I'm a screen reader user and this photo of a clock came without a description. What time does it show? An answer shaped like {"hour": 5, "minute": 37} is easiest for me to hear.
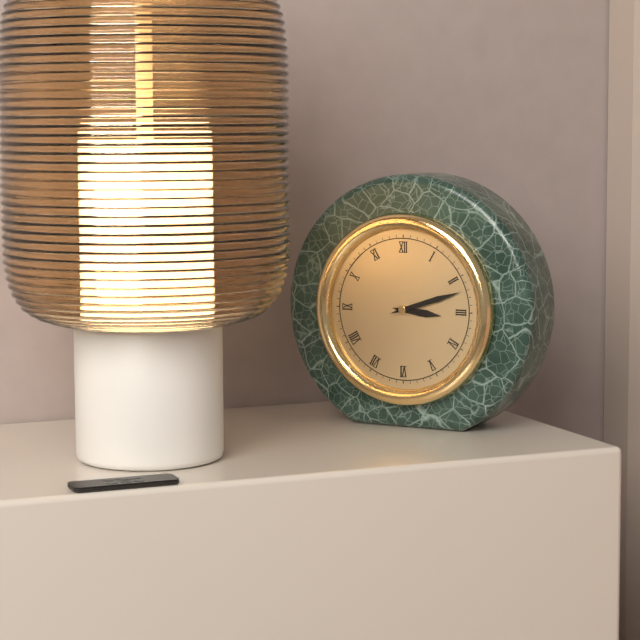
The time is {"hour": 3, "minute": 12}
